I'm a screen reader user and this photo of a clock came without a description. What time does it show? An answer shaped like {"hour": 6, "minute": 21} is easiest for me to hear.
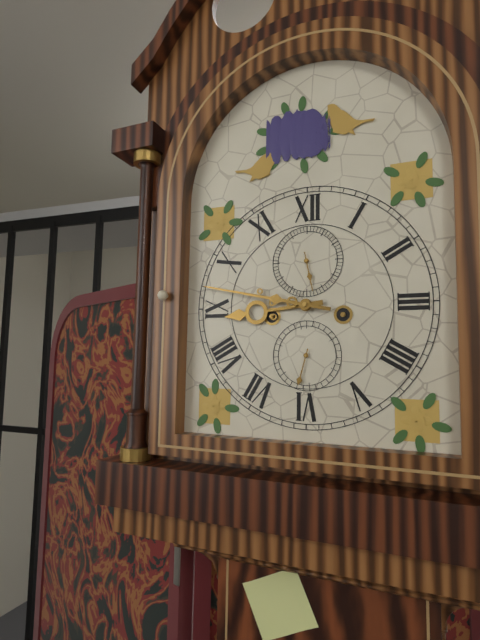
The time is {"hour": 8, "minute": 47}
